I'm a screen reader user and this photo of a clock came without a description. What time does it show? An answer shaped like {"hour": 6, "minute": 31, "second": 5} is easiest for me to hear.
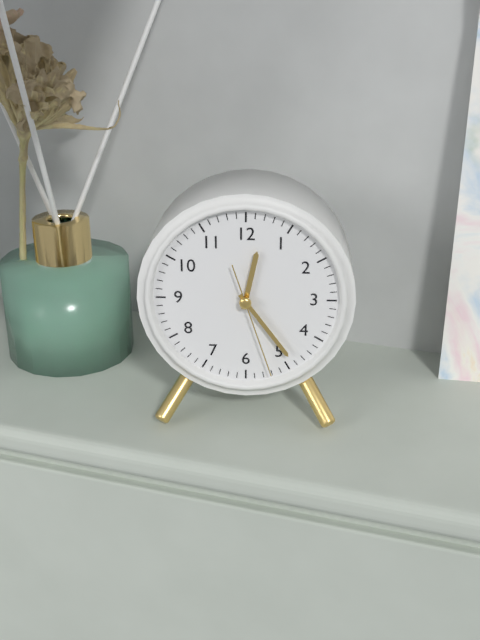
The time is {"hour": 12, "minute": 24, "second": 27}
